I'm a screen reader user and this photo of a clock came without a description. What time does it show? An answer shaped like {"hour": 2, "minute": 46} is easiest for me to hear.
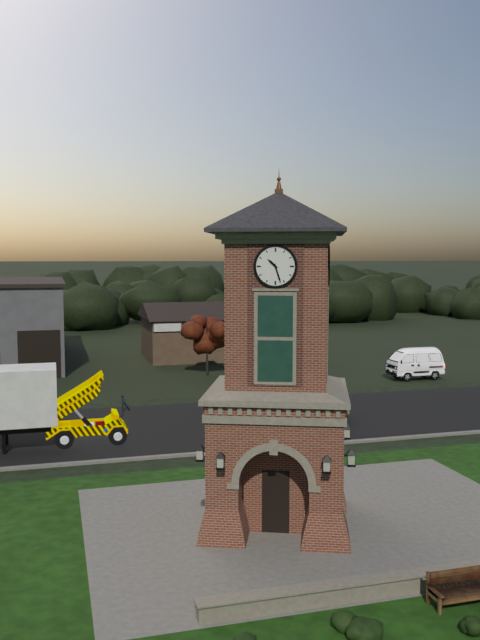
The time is {"hour": 10, "minute": 27}
